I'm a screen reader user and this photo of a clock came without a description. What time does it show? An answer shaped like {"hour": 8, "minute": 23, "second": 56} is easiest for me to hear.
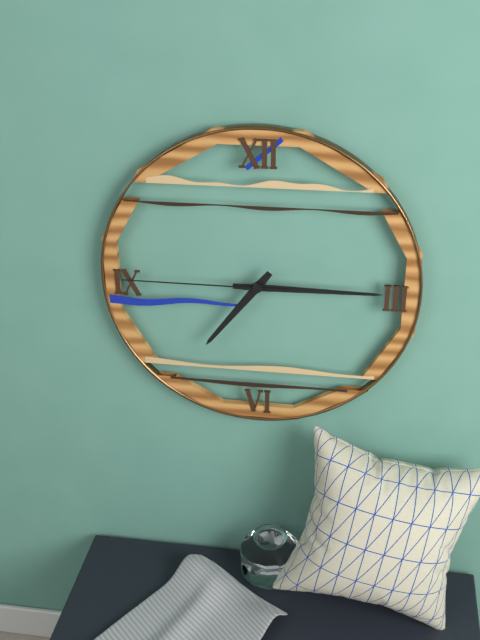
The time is {"hour": 7, "minute": 15, "second": 45}
